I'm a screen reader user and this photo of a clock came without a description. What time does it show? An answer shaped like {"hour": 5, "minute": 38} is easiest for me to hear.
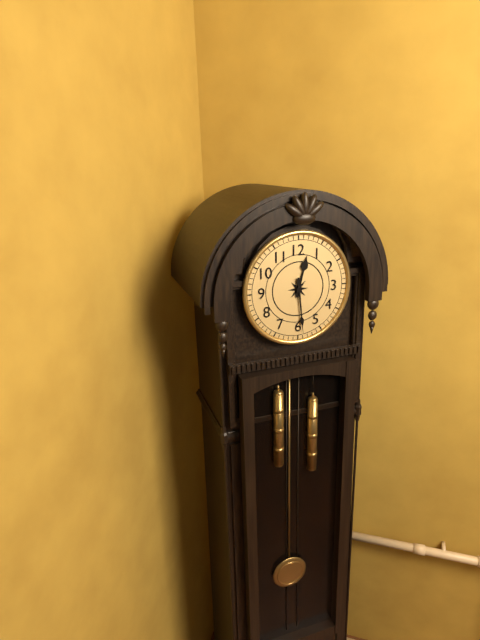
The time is {"hour": 12, "minute": 29}
